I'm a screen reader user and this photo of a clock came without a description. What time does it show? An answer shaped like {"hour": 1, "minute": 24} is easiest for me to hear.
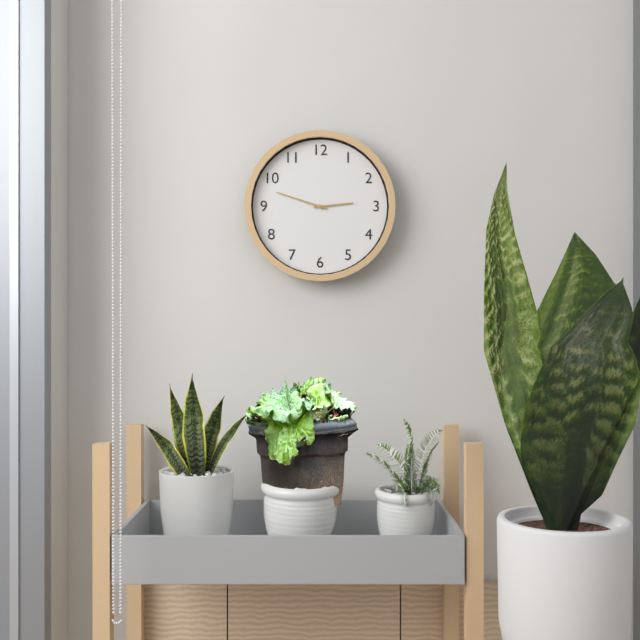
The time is {"hour": 2, "minute": 48}
